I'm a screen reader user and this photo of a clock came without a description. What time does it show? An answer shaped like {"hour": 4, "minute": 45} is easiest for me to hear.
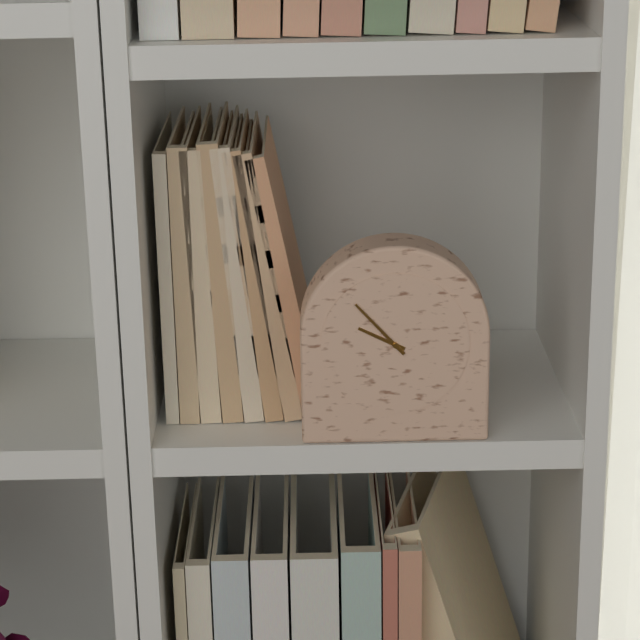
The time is {"hour": 9, "minute": 53}
